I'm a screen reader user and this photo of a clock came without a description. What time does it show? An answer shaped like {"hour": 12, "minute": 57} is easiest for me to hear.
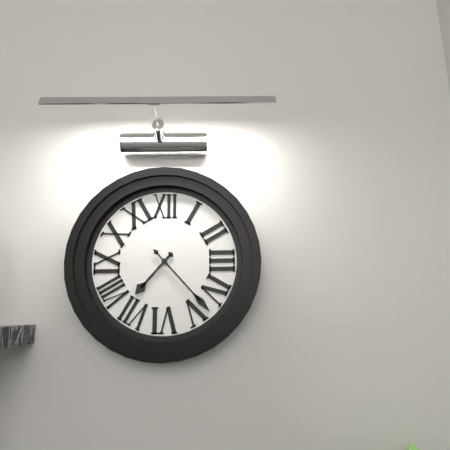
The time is {"hour": 7, "minute": 23}
